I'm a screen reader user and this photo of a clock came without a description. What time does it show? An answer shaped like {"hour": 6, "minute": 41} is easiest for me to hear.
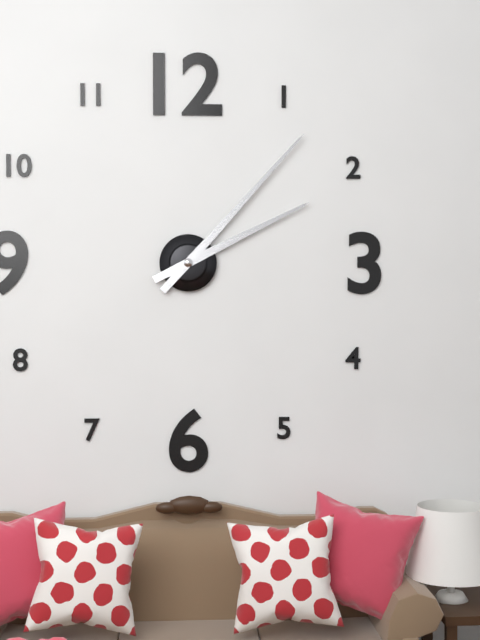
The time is {"hour": 2, "minute": 7}
